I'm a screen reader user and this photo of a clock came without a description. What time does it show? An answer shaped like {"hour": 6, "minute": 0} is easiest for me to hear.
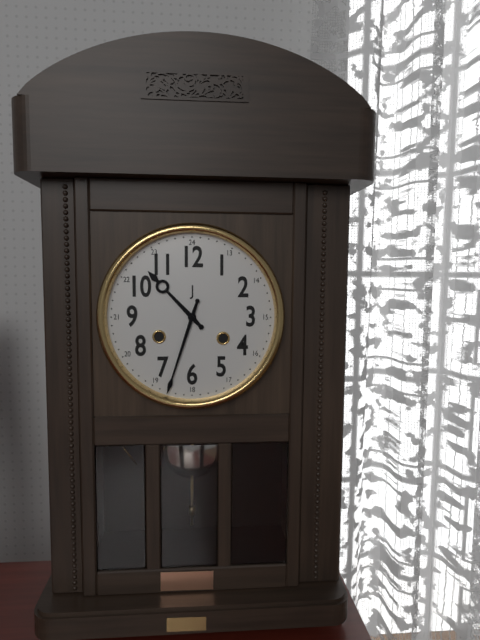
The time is {"hour": 10, "minute": 33}
